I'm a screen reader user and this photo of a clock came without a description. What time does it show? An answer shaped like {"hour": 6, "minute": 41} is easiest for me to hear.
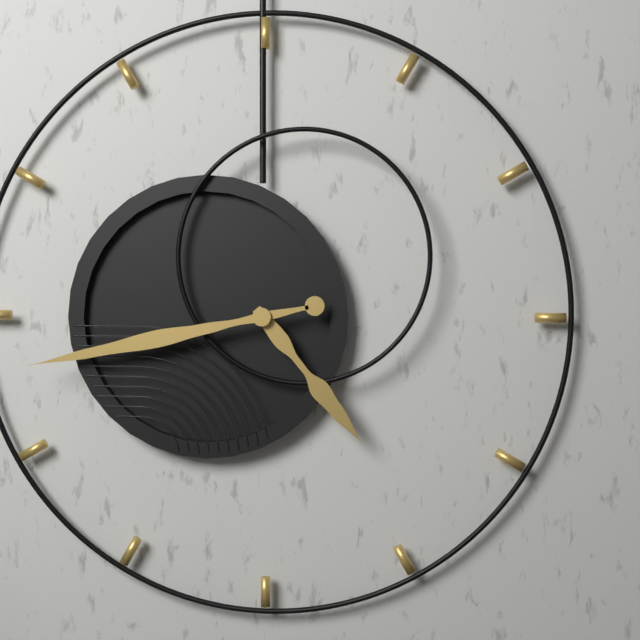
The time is {"hour": 4, "minute": 43}
